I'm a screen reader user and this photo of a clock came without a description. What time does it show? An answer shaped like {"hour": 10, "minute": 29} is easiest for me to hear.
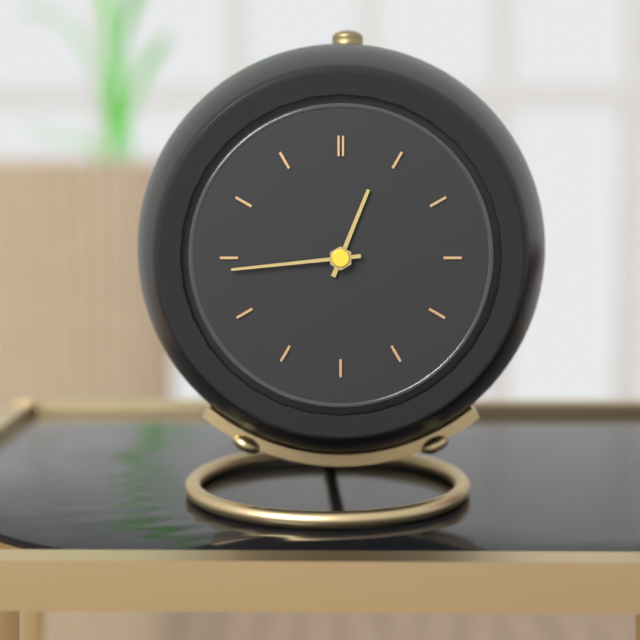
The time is {"hour": 12, "minute": 44}
